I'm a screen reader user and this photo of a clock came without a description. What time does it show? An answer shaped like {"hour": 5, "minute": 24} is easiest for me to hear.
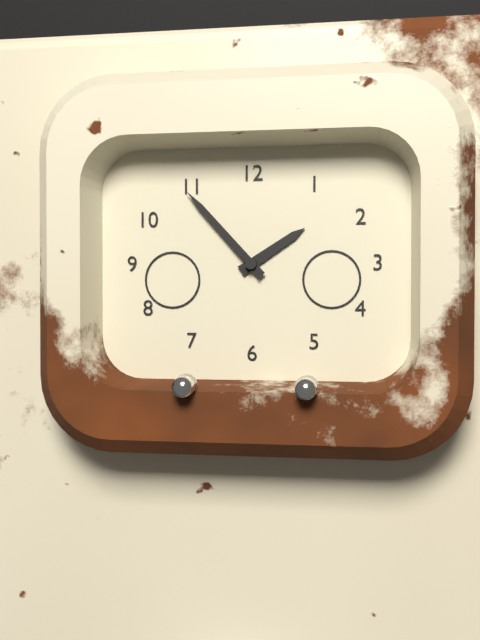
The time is {"hour": 1, "minute": 53}
